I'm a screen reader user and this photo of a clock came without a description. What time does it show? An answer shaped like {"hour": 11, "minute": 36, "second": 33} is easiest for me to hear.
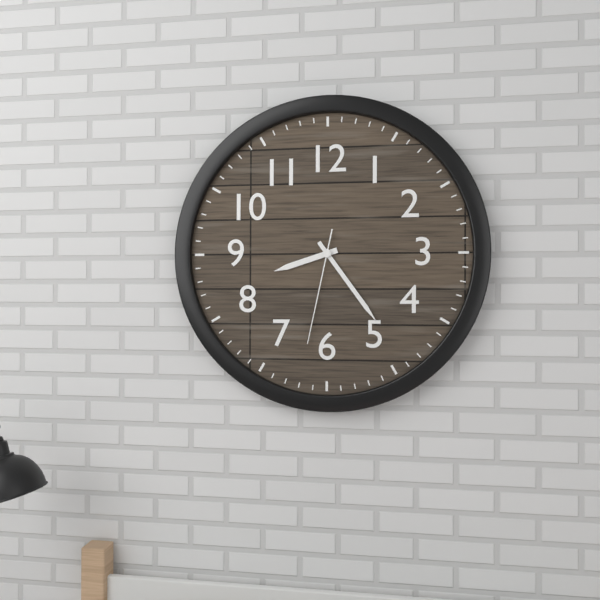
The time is {"hour": 8, "minute": 24, "second": 32}
